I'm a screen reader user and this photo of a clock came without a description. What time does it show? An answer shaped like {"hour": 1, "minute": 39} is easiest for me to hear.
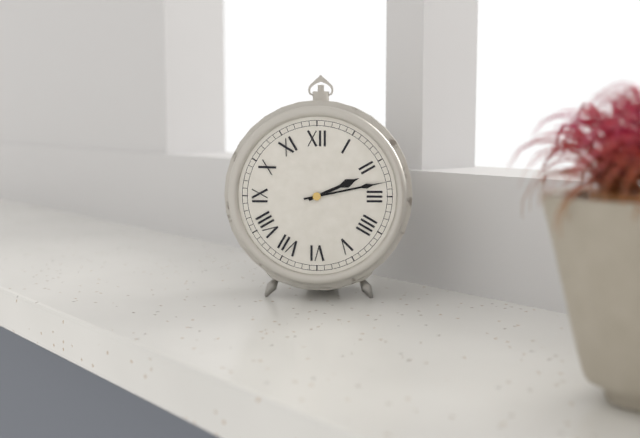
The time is {"hour": 2, "minute": 13}
